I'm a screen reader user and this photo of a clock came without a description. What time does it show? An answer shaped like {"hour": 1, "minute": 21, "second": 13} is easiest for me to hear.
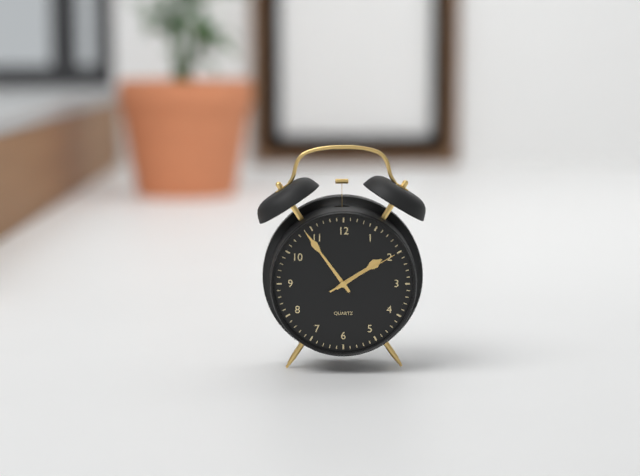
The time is {"hour": 1, "minute": 54, "second": 10}
